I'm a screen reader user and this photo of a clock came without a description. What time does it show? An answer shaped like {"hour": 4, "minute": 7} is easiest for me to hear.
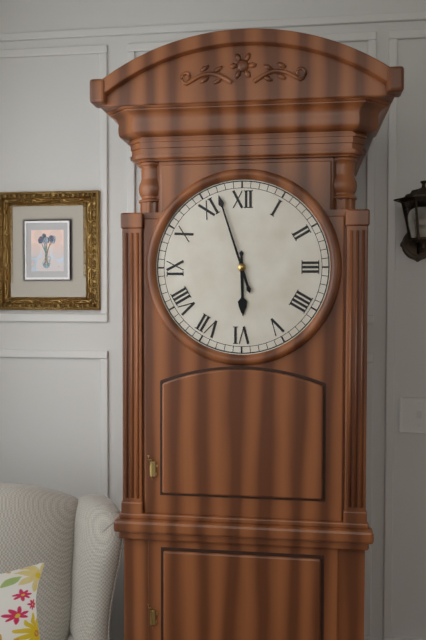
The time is {"hour": 5, "minute": 57}
